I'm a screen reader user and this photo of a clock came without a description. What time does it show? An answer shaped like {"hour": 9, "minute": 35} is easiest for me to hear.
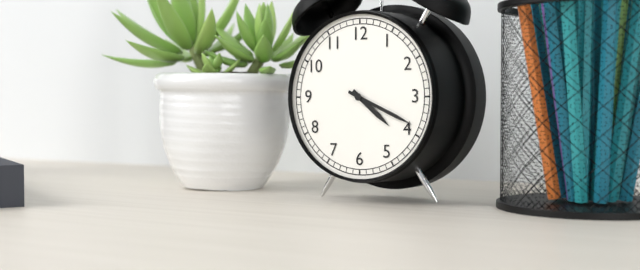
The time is {"hour": 4, "minute": 19}
